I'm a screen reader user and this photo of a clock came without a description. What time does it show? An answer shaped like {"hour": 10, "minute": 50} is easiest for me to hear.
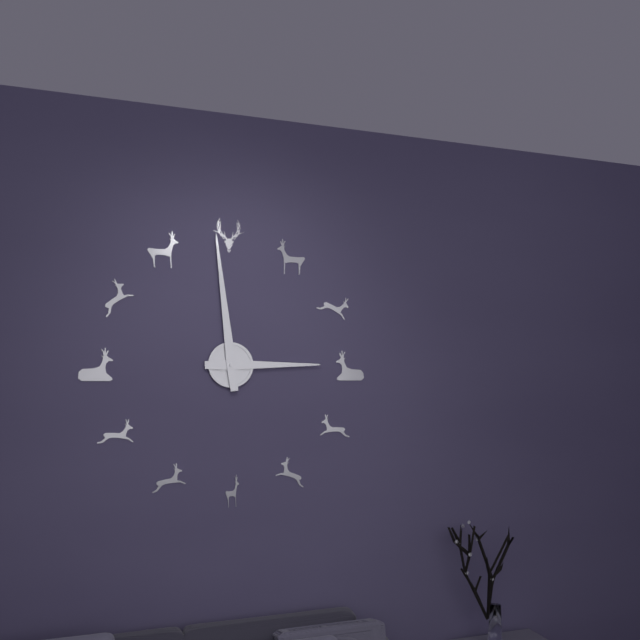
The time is {"hour": 2, "minute": 59}
